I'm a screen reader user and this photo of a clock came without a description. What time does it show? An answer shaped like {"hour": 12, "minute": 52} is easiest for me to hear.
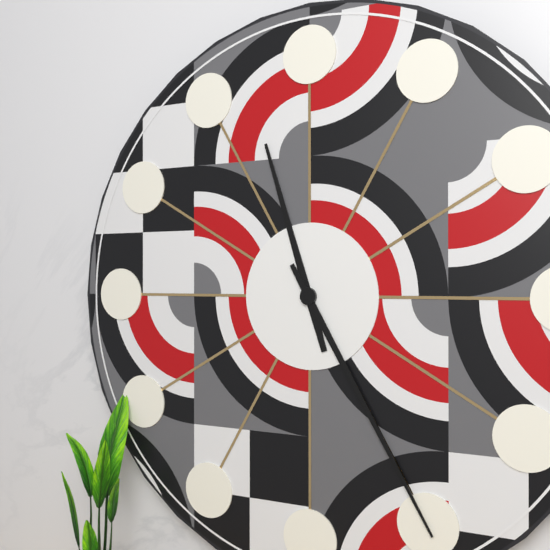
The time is {"hour": 11, "minute": 25}
